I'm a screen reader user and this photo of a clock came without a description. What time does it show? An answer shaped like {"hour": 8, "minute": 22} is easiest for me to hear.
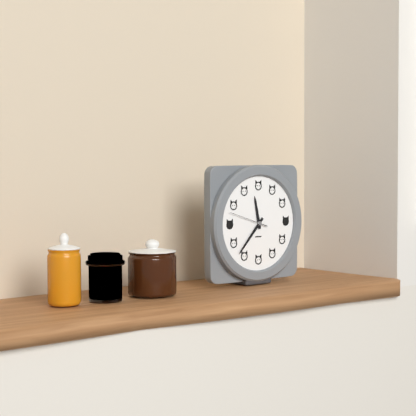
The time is {"hour": 11, "minute": 37}
